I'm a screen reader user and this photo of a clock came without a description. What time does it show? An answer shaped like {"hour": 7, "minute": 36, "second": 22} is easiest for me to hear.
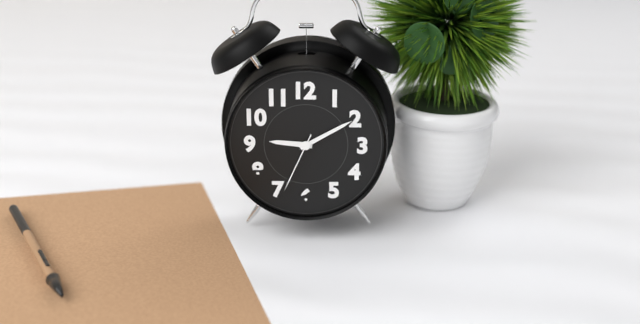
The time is {"hour": 9, "minute": 10, "second": 34}
